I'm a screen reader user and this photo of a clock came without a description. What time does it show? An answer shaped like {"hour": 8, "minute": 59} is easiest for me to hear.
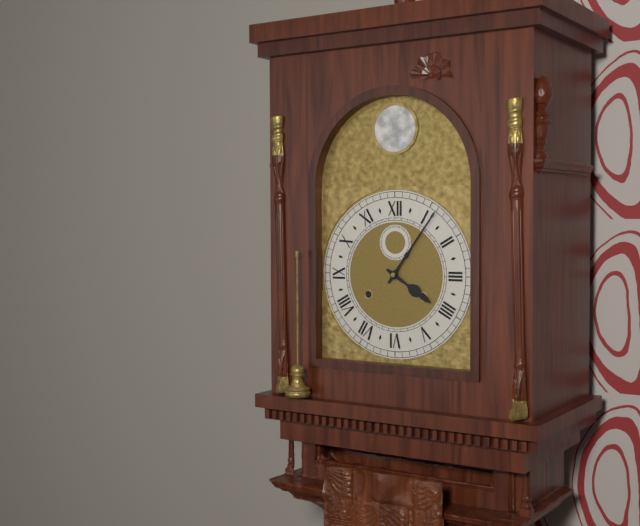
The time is {"hour": 4, "minute": 6}
